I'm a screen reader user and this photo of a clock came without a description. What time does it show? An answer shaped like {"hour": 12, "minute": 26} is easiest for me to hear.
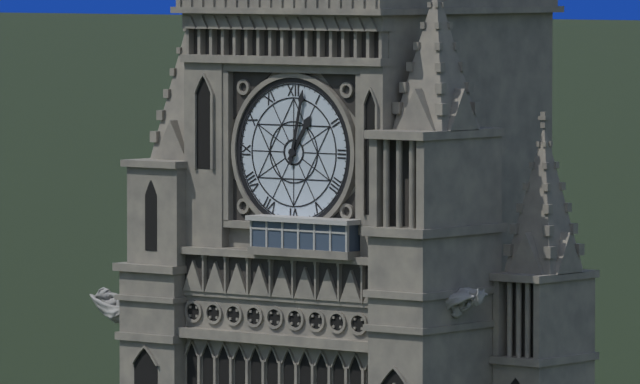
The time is {"hour": 1, "minute": 2}
